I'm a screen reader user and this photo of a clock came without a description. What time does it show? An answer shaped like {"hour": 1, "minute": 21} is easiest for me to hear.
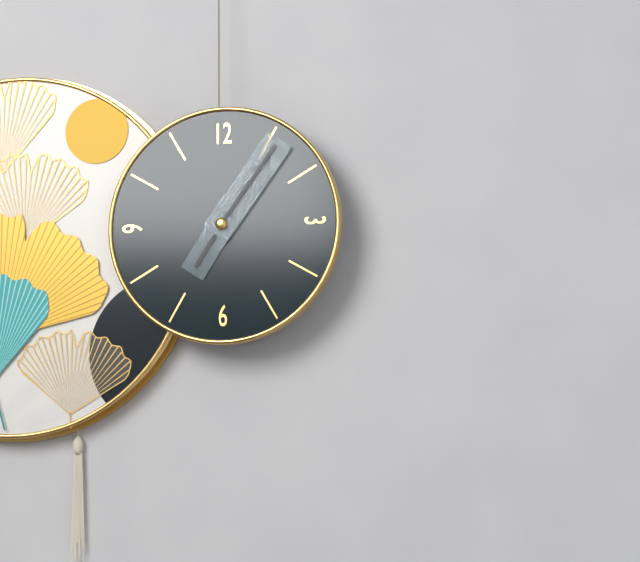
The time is {"hour": 7, "minute": 6}
